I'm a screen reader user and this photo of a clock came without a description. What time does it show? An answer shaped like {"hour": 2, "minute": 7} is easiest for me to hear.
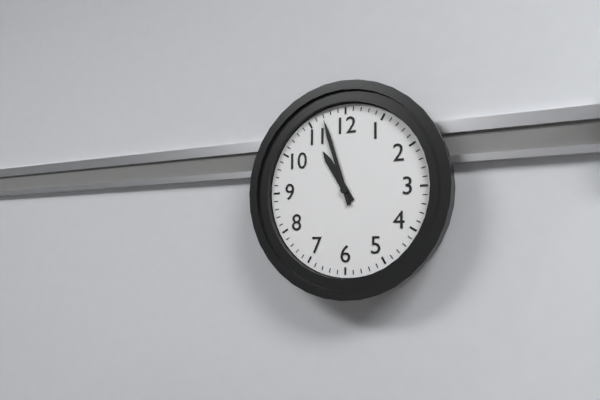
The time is {"hour": 10, "minute": 57}
